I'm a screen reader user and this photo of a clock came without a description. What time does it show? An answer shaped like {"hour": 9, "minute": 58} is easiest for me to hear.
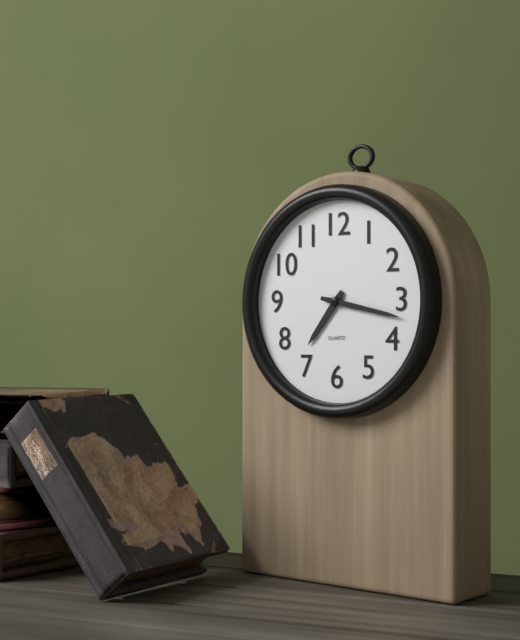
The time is {"hour": 7, "minute": 17}
